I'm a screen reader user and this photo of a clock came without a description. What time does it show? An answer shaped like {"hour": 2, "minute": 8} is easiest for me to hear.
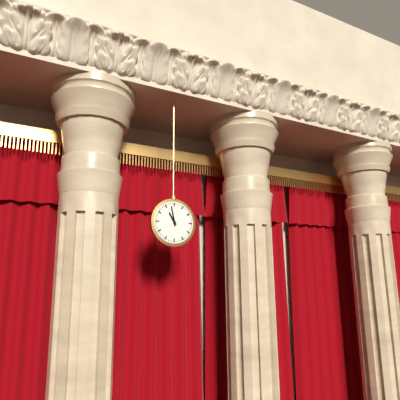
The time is {"hour": 10, "minute": 58}
